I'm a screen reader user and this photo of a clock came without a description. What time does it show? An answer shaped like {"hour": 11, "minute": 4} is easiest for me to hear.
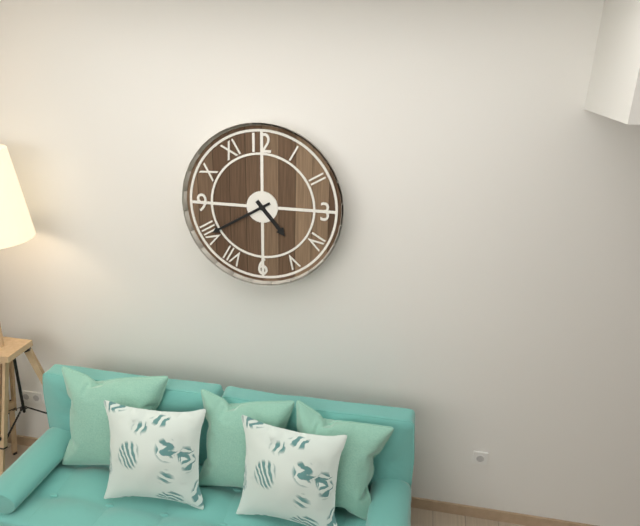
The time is {"hour": 4, "minute": 40}
